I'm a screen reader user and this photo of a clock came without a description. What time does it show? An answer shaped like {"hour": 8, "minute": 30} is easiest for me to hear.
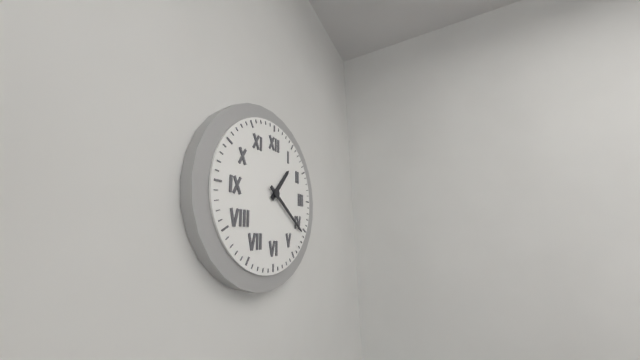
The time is {"hour": 1, "minute": 21}
